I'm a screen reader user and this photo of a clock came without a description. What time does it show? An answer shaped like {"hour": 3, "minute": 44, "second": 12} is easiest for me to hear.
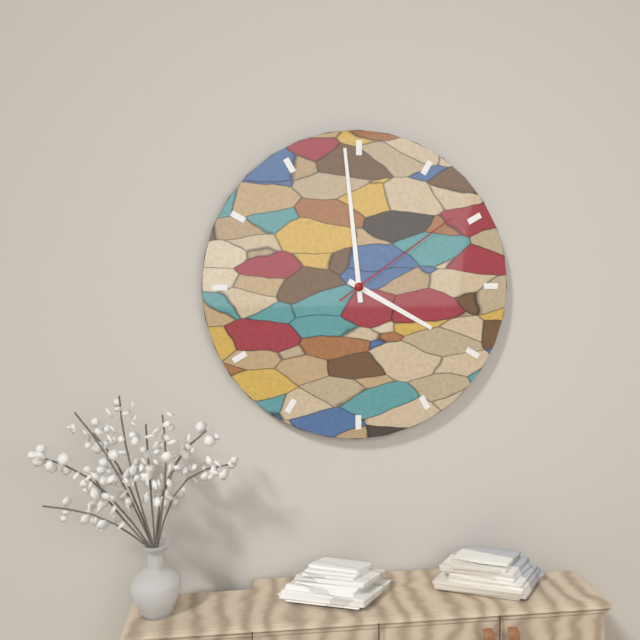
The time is {"hour": 3, "minute": 59, "second": 9}
